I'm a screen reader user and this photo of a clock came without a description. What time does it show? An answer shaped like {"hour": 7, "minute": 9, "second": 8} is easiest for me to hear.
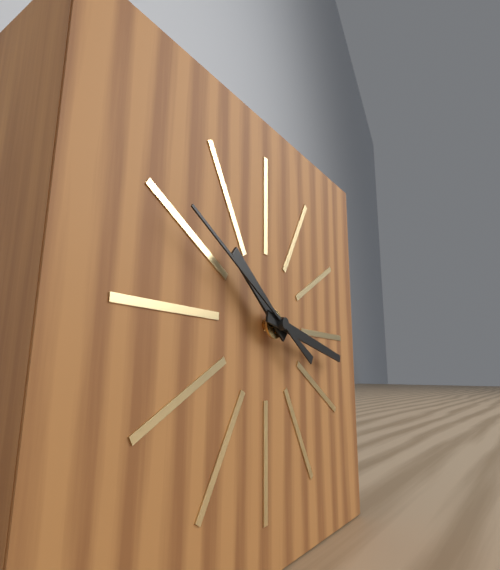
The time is {"hour": 10, "minute": 17, "second": 50}
